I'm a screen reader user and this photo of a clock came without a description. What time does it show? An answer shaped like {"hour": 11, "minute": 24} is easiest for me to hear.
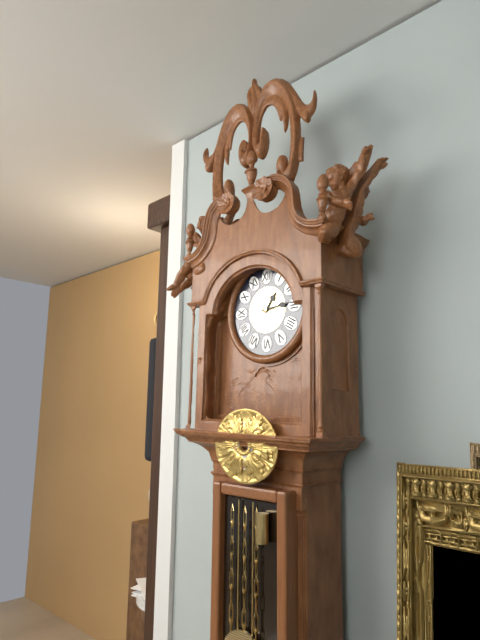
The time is {"hour": 1, "minute": 14}
